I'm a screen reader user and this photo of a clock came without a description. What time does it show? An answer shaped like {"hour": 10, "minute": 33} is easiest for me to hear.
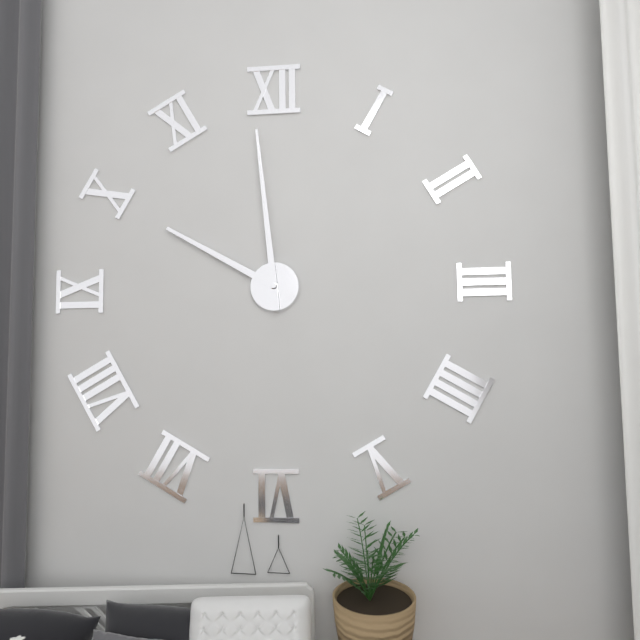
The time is {"hour": 9, "minute": 59}
